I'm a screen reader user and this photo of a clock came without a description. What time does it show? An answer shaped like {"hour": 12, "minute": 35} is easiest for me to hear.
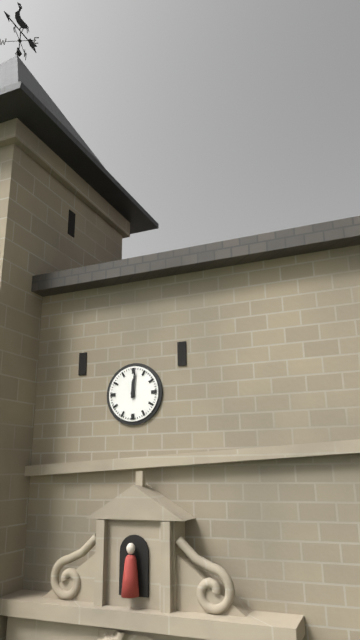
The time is {"hour": 12, "minute": 1}
